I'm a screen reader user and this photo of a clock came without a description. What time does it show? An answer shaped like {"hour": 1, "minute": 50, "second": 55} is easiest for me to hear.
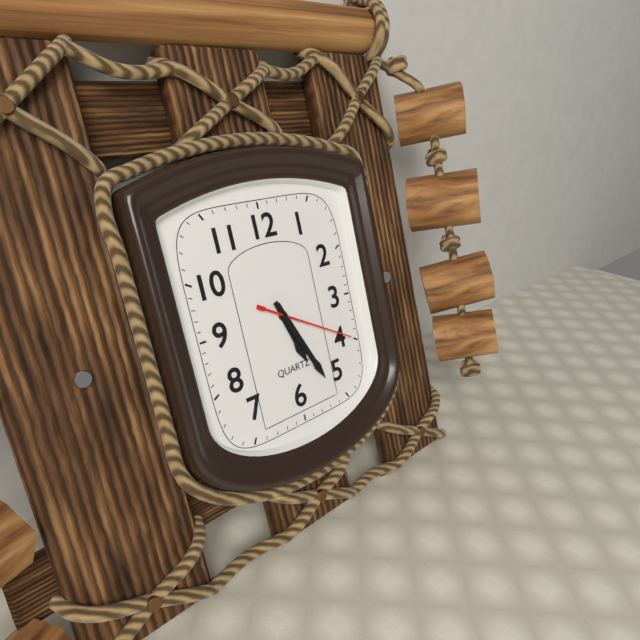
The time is {"hour": 5, "minute": 26, "second": 20}
